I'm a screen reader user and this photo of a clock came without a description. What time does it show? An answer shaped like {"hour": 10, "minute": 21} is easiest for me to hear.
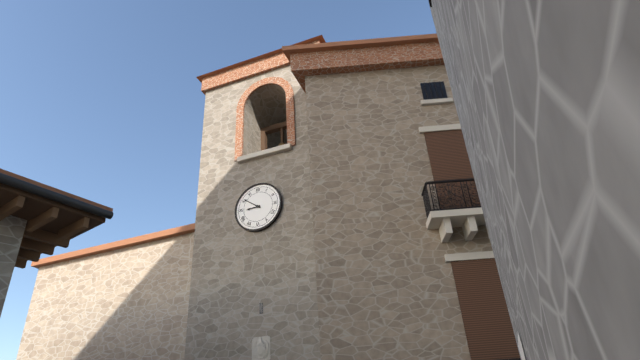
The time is {"hour": 8, "minute": 51}
